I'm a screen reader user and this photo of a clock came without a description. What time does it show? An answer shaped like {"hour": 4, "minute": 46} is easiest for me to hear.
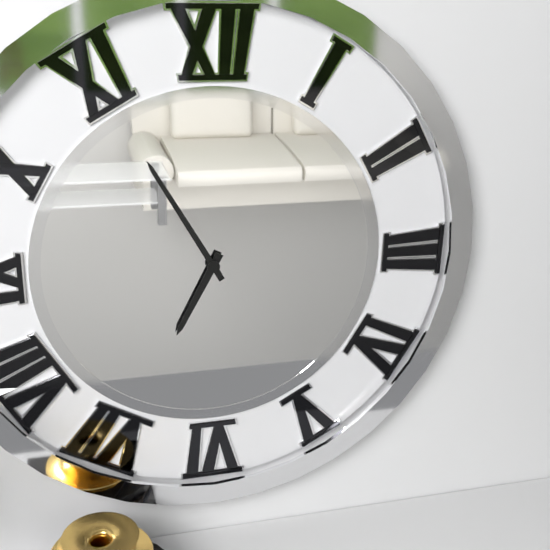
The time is {"hour": 6, "minute": 55}
